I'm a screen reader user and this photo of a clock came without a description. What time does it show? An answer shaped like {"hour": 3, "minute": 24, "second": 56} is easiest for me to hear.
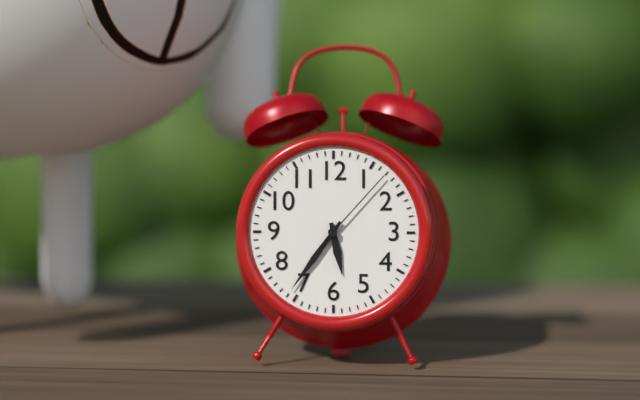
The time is {"hour": 5, "minute": 36, "second": 7}
